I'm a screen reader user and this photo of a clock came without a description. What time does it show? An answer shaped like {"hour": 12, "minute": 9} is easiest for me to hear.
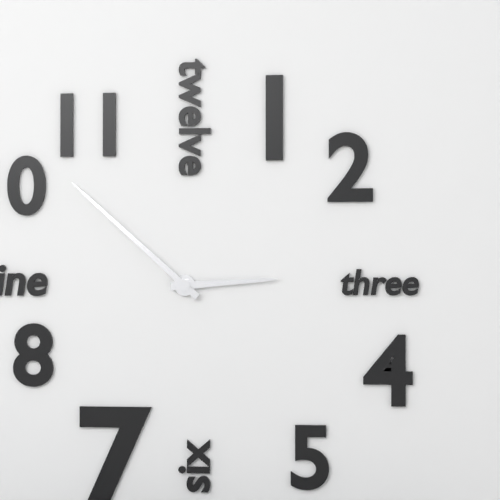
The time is {"hour": 2, "minute": 52}
